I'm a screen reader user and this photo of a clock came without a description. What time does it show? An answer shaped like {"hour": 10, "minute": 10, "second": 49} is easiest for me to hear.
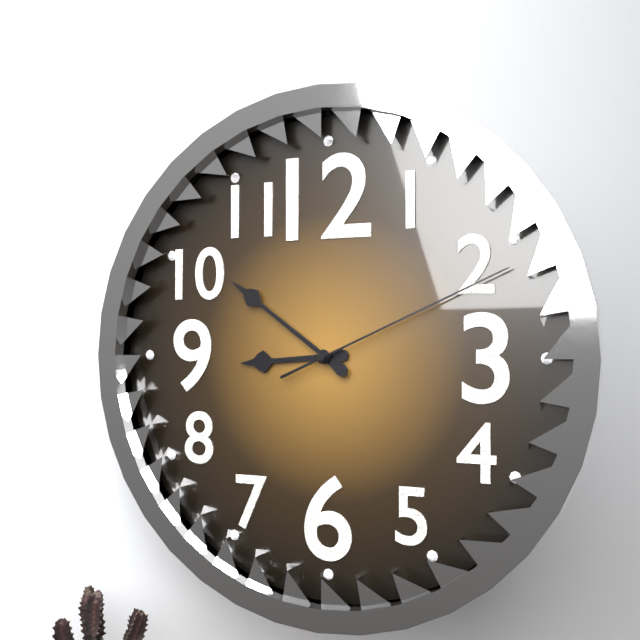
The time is {"hour": 8, "minute": 51, "second": 11}
